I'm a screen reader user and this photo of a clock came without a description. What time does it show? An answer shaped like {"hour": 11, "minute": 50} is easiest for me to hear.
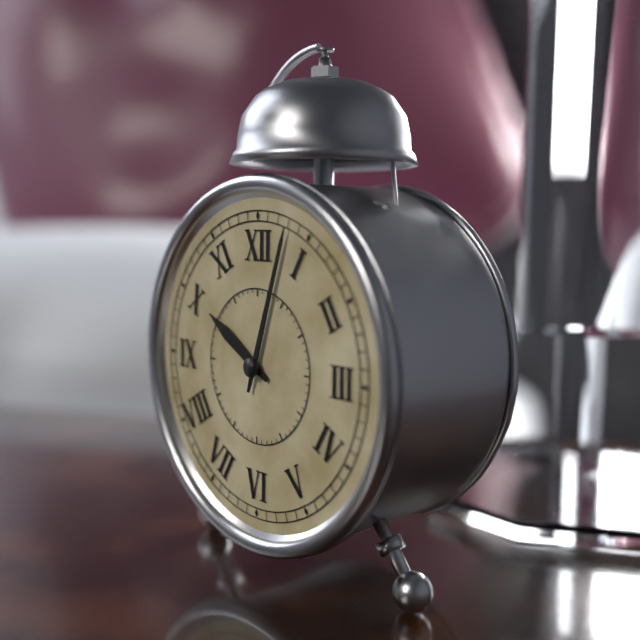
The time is {"hour": 10, "minute": 3}
